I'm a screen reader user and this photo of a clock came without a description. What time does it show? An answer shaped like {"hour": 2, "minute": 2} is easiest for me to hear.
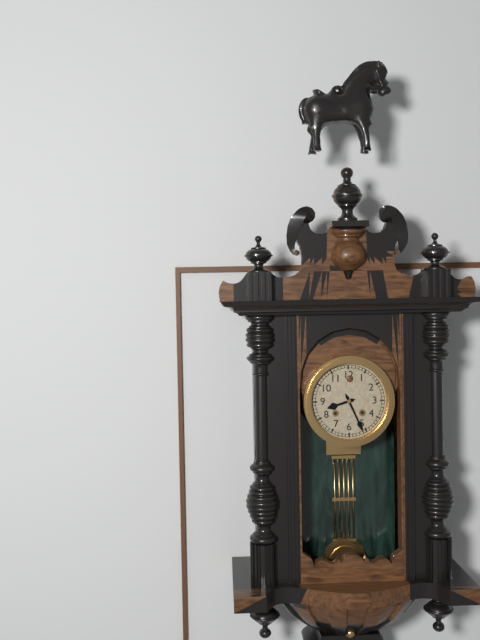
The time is {"hour": 8, "minute": 26}
